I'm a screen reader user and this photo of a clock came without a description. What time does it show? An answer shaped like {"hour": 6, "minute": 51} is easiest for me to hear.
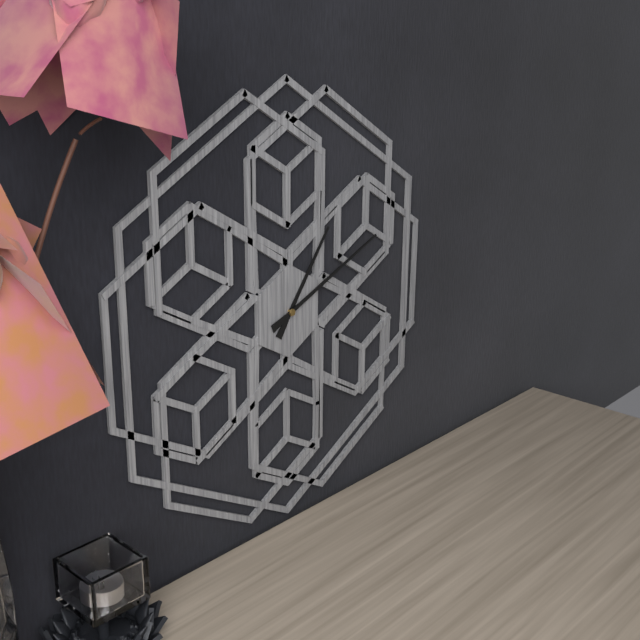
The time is {"hour": 1, "minute": 11}
